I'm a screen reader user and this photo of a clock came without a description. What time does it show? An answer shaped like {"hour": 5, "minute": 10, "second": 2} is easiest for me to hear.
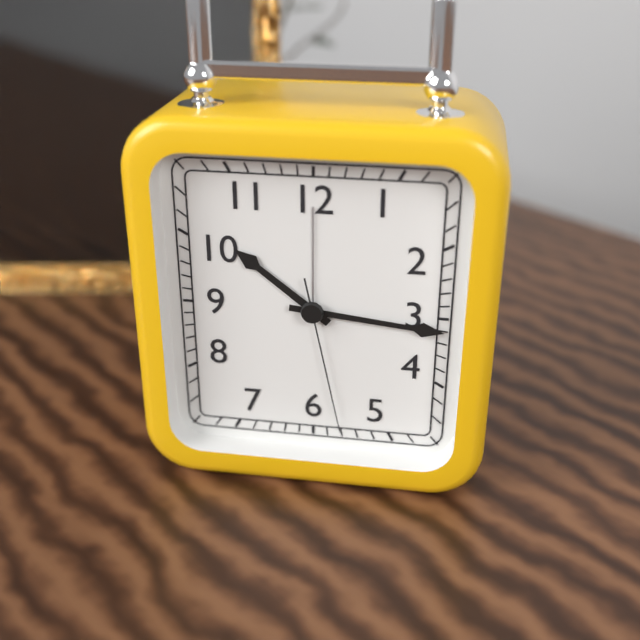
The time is {"hour": 10, "minute": 16, "second": 28}
